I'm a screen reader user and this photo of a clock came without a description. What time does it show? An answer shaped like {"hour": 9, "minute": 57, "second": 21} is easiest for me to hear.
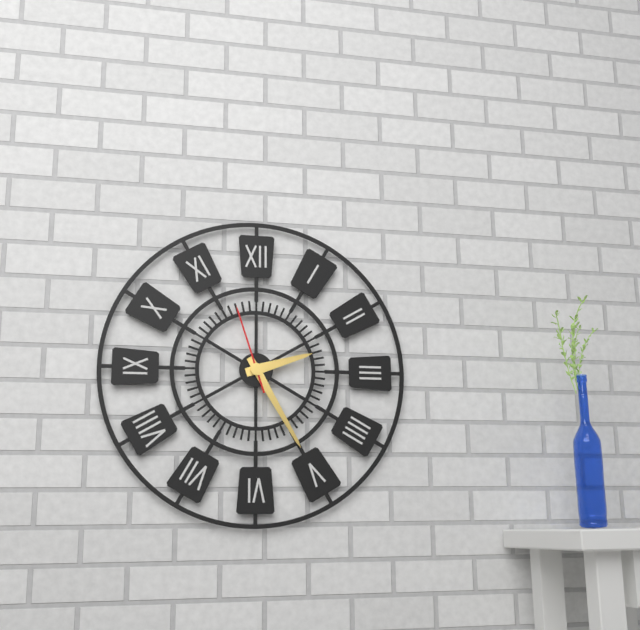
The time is {"hour": 2, "minute": 25, "second": 57}
